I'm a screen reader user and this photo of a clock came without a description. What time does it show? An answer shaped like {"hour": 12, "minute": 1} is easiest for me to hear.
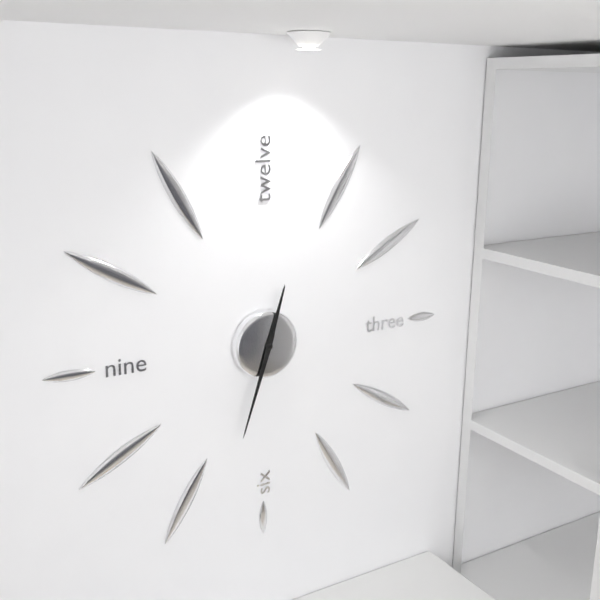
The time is {"hour": 12, "minute": 33}
